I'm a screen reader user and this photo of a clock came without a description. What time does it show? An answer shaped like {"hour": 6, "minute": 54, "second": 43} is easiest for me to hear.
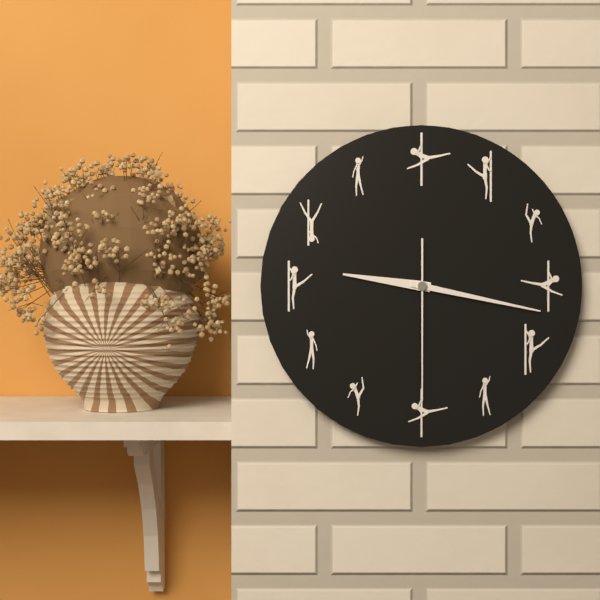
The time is {"hour": 9, "minute": 17, "second": 30}
